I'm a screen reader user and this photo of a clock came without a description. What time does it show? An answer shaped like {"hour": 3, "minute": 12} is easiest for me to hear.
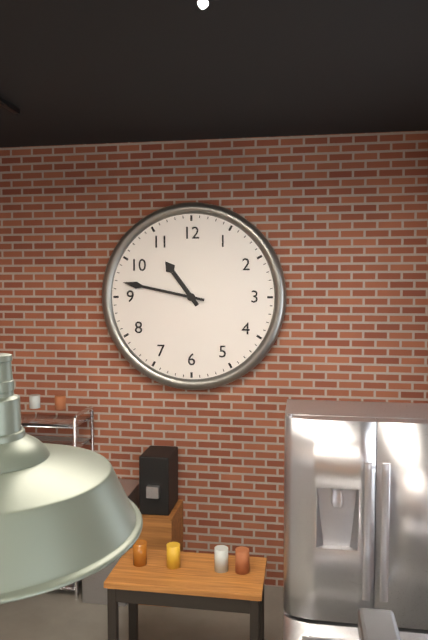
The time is {"hour": 10, "minute": 47}
